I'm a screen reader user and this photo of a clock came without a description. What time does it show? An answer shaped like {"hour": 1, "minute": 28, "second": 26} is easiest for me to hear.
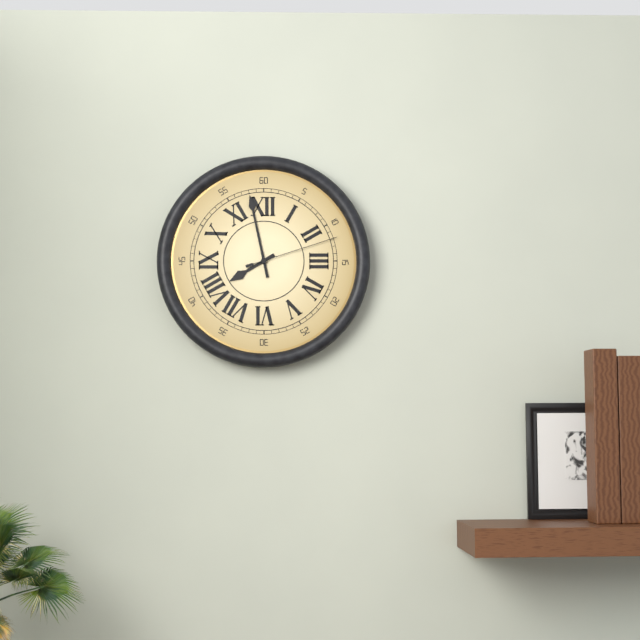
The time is {"hour": 7, "minute": 58, "second": 12}
